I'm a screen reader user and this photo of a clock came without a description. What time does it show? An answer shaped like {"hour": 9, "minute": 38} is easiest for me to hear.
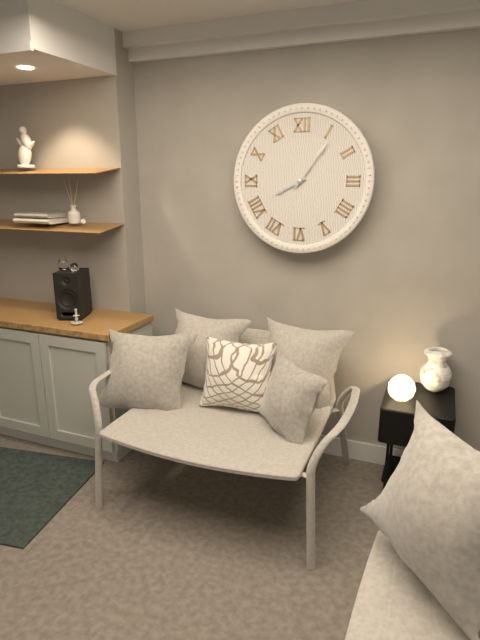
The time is {"hour": 8, "minute": 6}
